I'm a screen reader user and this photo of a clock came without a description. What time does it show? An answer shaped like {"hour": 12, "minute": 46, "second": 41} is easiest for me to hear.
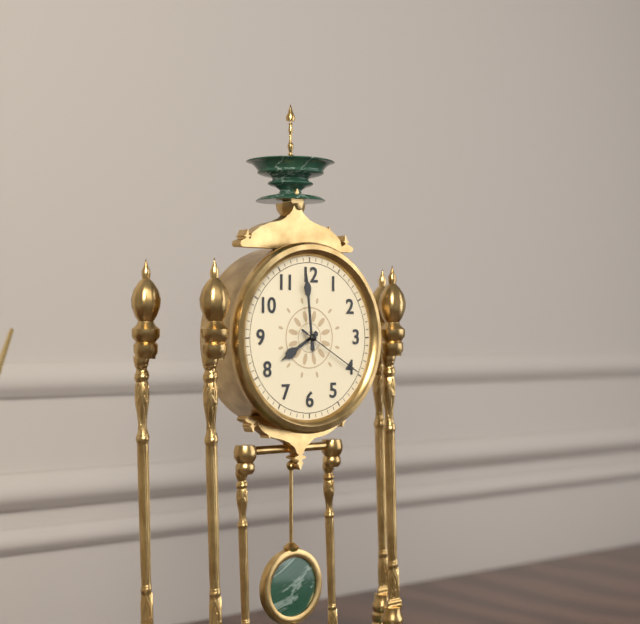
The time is {"hour": 7, "minute": 59, "second": 20}
